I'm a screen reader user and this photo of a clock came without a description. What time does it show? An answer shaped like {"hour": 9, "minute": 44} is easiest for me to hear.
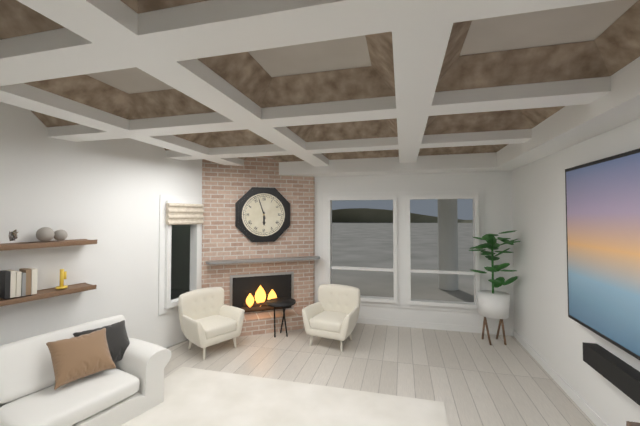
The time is {"hour": 5, "minute": 57}
